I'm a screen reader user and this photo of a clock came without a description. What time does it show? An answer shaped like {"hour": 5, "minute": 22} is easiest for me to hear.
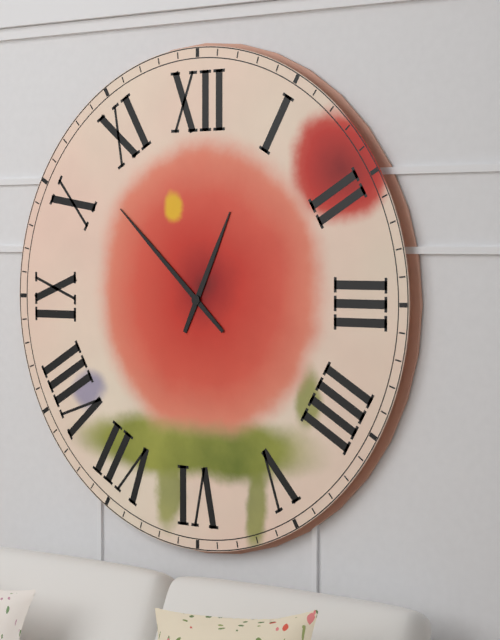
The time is {"hour": 12, "minute": 52}
